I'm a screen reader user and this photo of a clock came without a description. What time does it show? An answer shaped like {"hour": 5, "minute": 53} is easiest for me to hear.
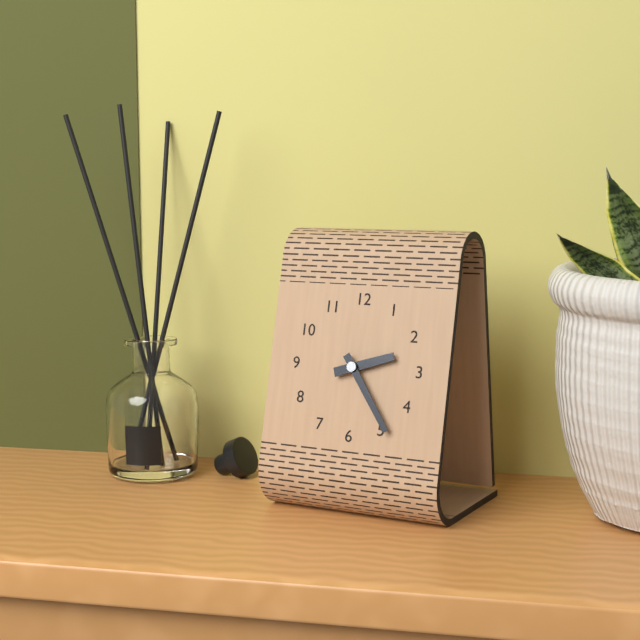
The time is {"hour": 2, "minute": 24}
